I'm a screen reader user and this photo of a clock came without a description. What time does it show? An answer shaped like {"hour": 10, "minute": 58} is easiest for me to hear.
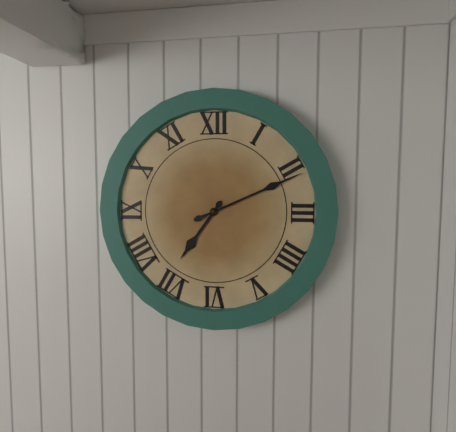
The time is {"hour": 7, "minute": 11}
